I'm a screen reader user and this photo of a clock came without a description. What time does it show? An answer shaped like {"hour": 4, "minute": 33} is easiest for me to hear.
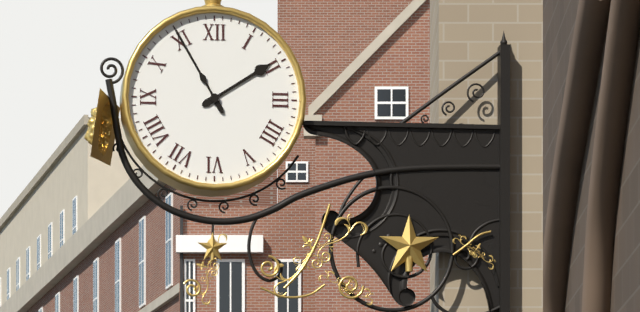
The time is {"hour": 1, "minute": 55}
